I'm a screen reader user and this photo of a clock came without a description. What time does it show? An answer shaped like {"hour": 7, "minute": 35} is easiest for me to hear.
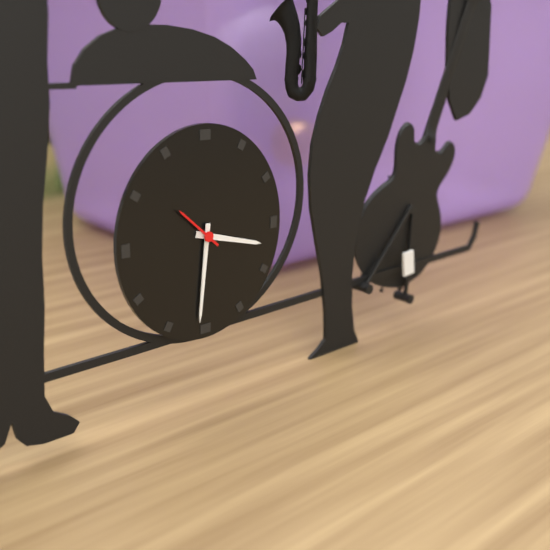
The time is {"hour": 3, "minute": 31}
